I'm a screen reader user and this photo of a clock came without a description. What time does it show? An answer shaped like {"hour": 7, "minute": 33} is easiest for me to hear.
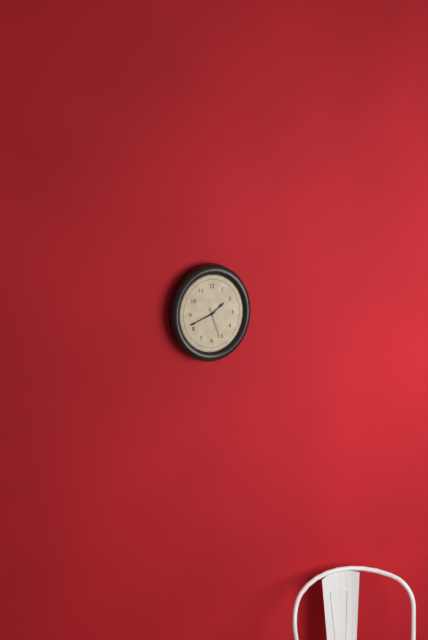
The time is {"hour": 1, "minute": 41}
